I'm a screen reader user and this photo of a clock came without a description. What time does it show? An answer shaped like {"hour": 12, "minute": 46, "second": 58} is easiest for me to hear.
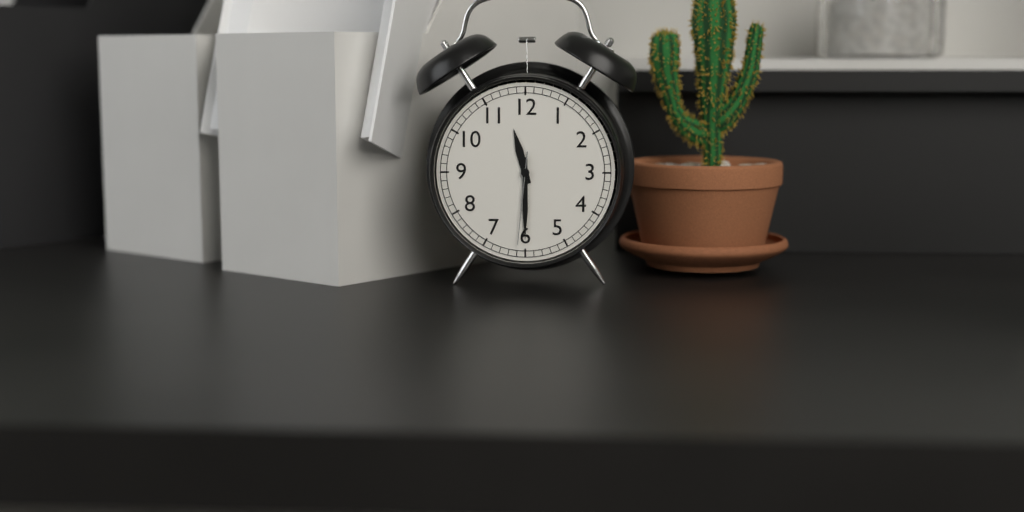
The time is {"hour": 11, "minute": 30, "second": 31}
